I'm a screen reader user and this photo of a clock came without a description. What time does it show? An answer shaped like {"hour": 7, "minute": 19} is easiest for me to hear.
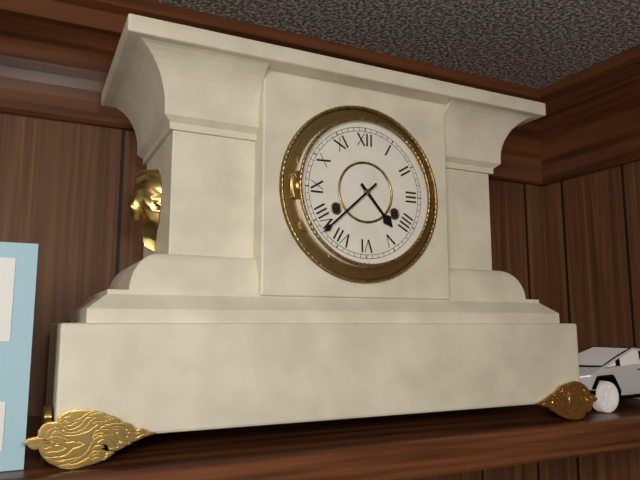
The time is {"hour": 4, "minute": 38}
